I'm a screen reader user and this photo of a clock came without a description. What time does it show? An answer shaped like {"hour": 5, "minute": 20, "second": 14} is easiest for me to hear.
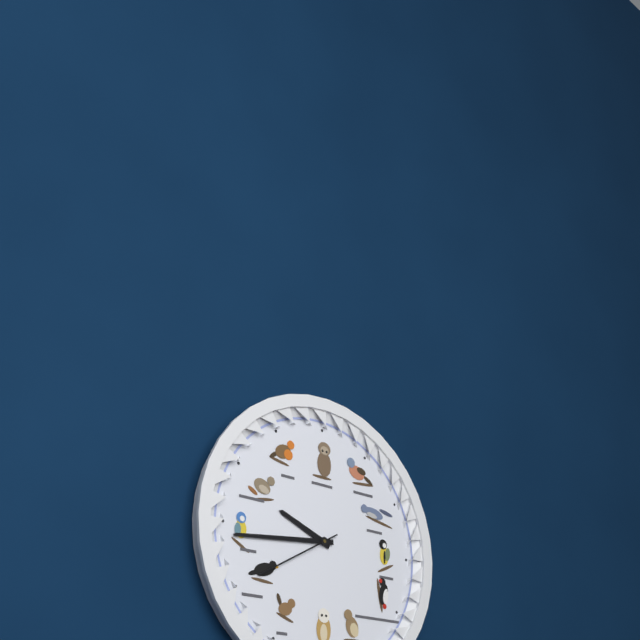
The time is {"hour": 9, "minute": 44, "second": 40}
